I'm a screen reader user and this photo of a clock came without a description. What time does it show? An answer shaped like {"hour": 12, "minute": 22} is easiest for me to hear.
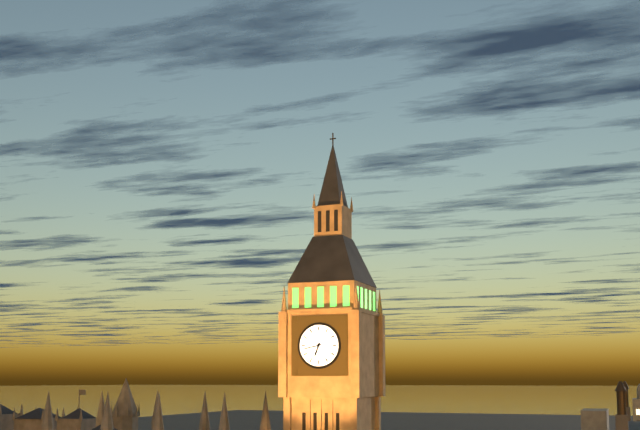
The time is {"hour": 6, "minute": 43}
